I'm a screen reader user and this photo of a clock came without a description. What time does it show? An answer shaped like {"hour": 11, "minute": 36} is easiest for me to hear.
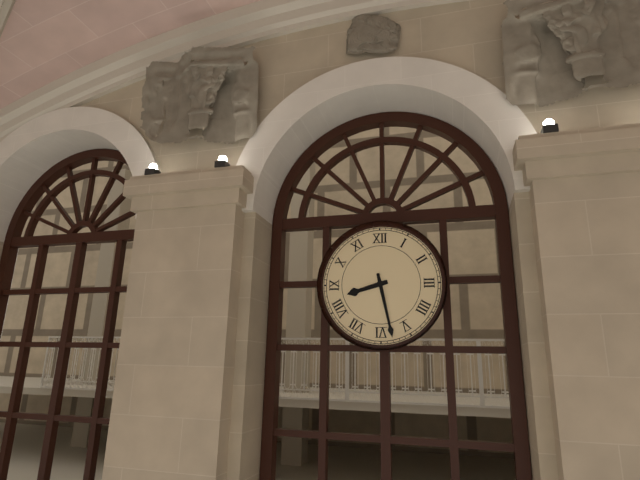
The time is {"hour": 8, "minute": 28}
